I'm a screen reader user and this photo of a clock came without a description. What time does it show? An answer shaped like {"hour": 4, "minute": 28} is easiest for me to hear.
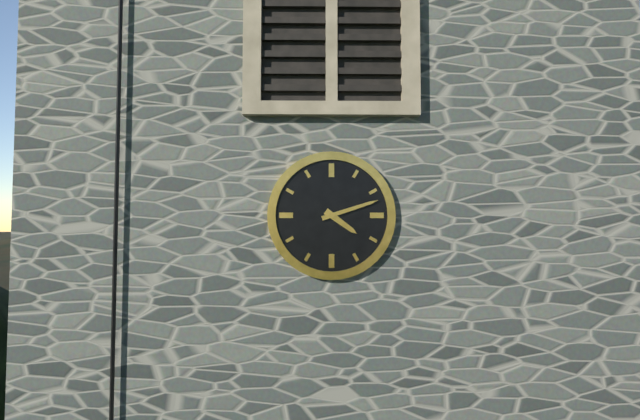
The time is {"hour": 4, "minute": 12}
